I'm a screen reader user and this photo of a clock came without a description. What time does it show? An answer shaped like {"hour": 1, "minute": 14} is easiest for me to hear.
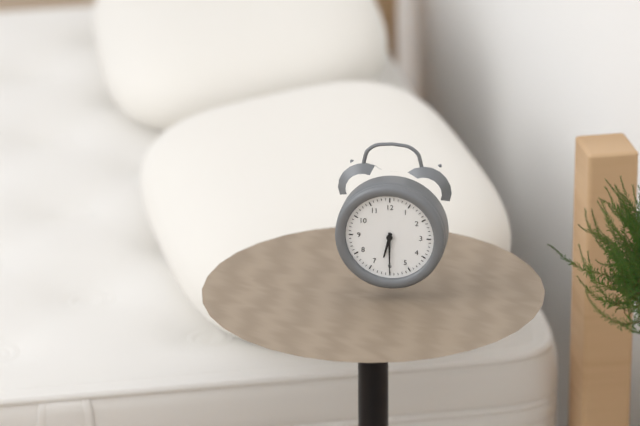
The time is {"hour": 6, "minute": 30}
